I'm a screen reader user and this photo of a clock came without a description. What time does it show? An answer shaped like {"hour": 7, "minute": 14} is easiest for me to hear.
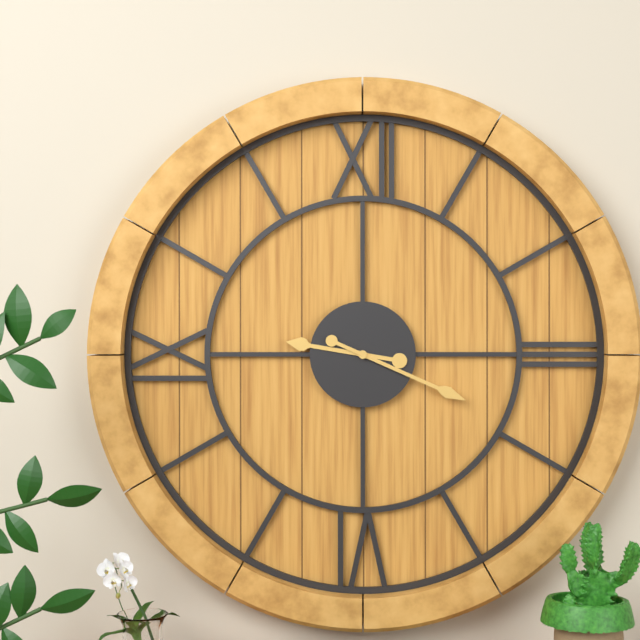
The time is {"hour": 9, "minute": 19}
